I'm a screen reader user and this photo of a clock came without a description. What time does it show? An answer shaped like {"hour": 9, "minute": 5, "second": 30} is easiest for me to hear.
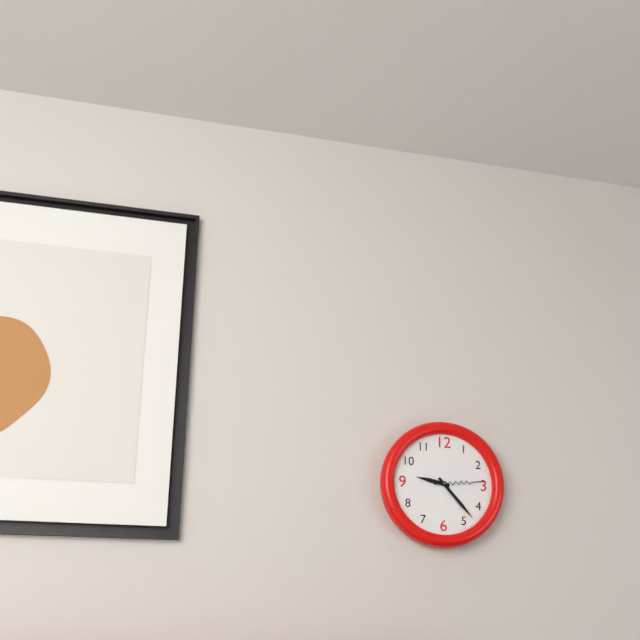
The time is {"hour": 9, "minute": 23, "second": 14}
